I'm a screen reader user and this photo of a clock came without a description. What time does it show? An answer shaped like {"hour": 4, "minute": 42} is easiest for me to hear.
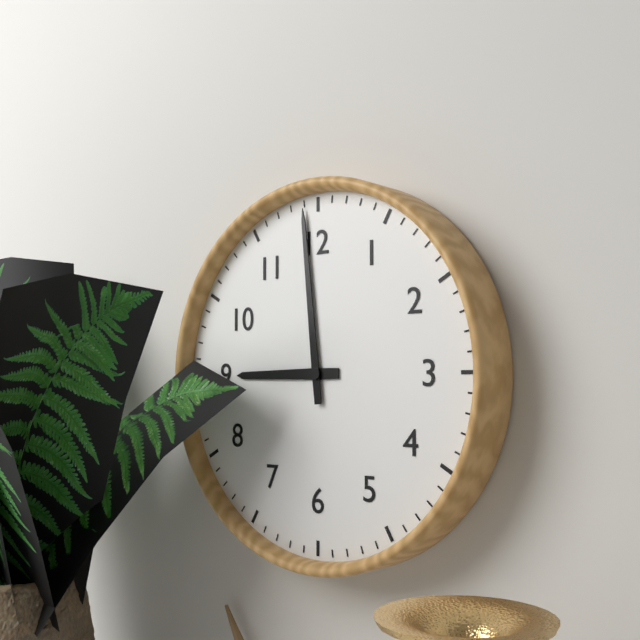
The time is {"hour": 8, "minute": 59}
